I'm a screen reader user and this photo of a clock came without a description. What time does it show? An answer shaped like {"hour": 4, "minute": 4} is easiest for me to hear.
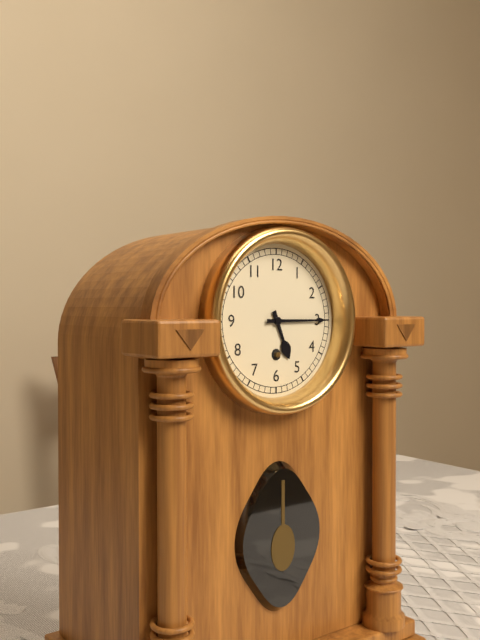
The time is {"hour": 5, "minute": 15}
